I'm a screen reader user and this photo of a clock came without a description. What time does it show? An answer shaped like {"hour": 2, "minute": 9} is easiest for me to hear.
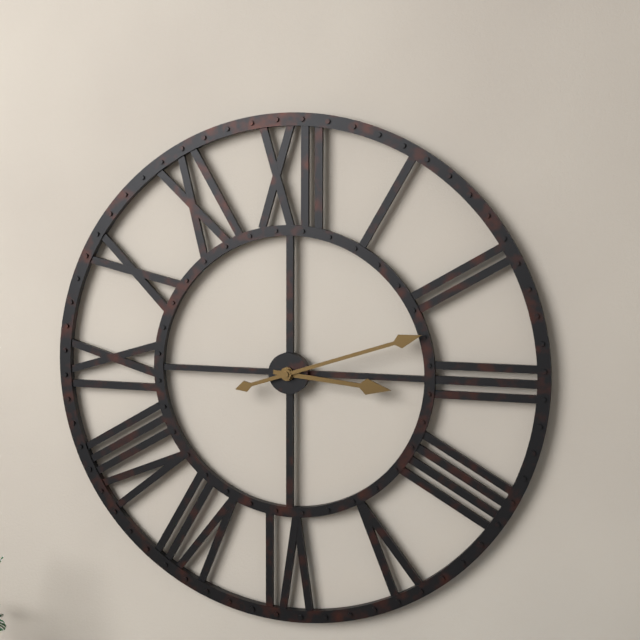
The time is {"hour": 3, "minute": 12}
